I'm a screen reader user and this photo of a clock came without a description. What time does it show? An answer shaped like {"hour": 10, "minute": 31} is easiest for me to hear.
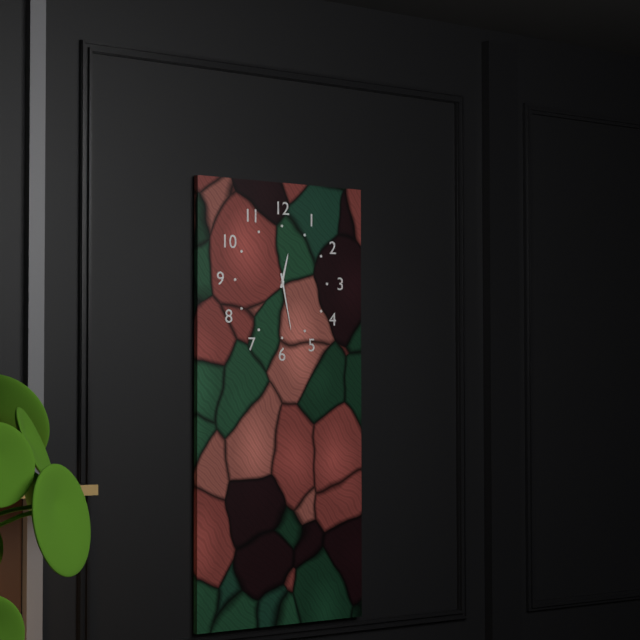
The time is {"hour": 12, "minute": 28}
